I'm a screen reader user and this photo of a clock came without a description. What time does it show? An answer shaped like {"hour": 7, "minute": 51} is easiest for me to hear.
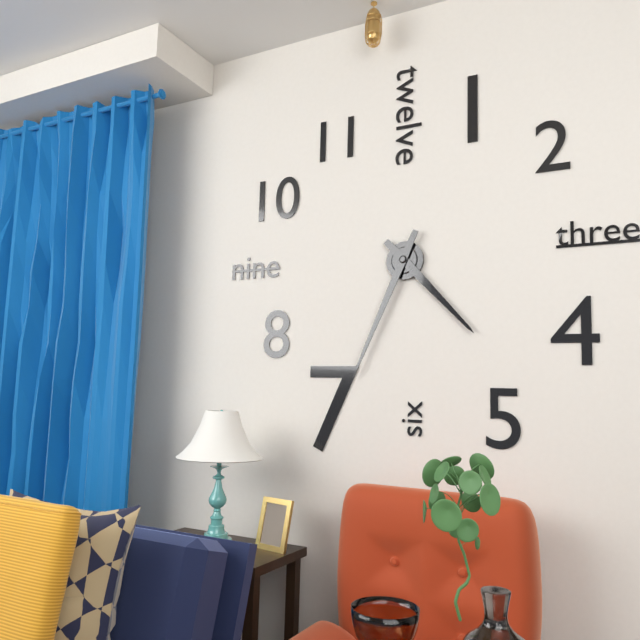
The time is {"hour": 4, "minute": 34}
